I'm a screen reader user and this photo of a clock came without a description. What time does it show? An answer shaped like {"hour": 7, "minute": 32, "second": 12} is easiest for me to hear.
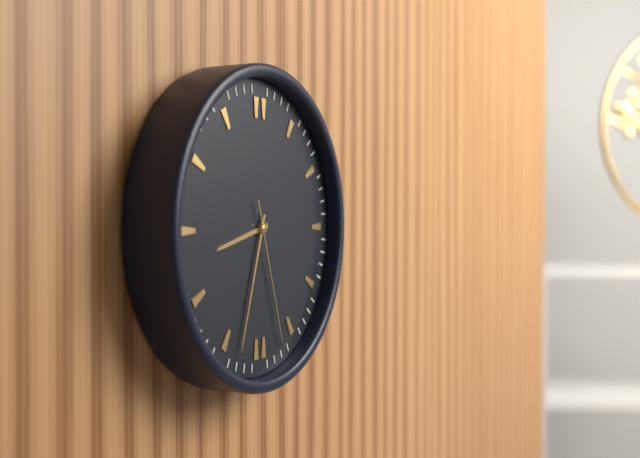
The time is {"hour": 8, "minute": 33, "second": 27}
